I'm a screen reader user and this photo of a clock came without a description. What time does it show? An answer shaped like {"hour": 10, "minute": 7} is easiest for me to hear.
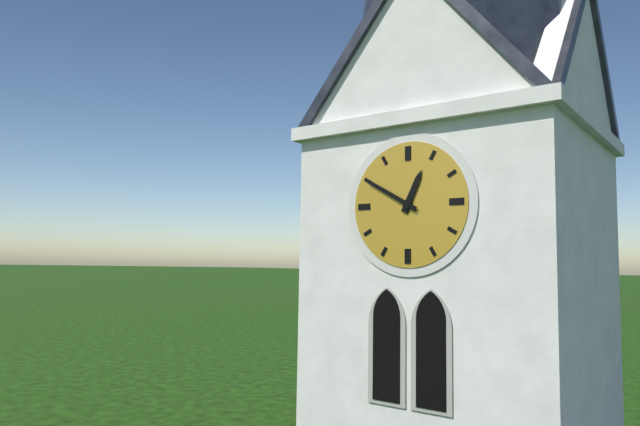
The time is {"hour": 12, "minute": 50}
